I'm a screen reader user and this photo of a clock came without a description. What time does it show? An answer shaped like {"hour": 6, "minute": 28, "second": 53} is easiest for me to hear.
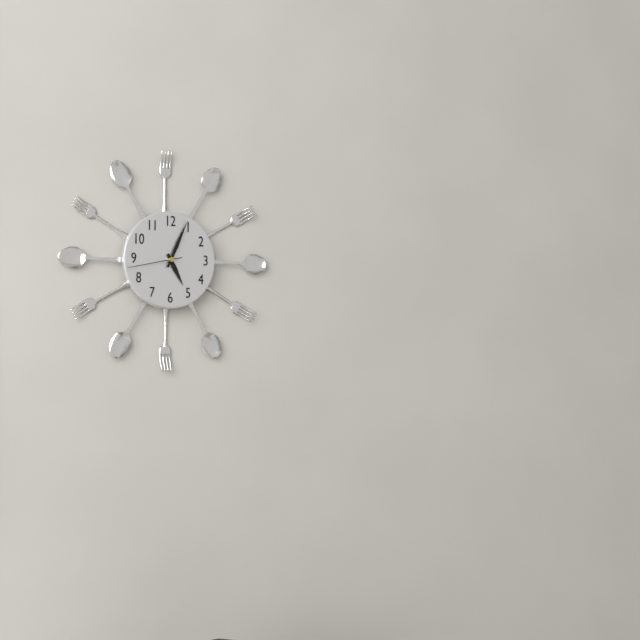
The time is {"hour": 5, "minute": 4, "second": 43}
